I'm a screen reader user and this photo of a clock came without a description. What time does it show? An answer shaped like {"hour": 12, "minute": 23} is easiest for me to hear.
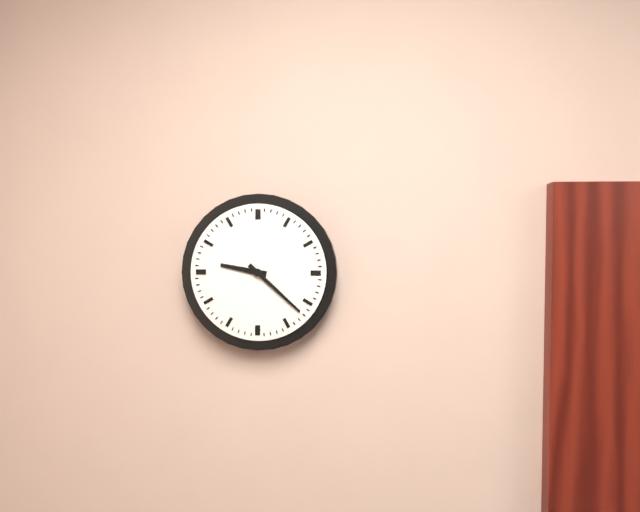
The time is {"hour": 9, "minute": 22}
